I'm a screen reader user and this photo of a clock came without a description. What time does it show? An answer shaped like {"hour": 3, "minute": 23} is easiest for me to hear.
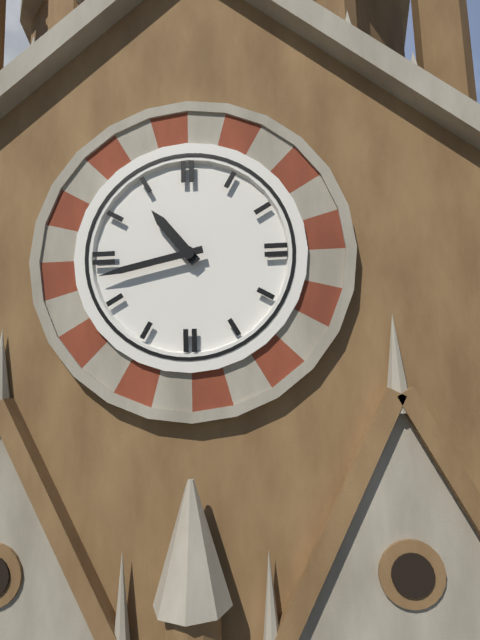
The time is {"hour": 10, "minute": 43}
